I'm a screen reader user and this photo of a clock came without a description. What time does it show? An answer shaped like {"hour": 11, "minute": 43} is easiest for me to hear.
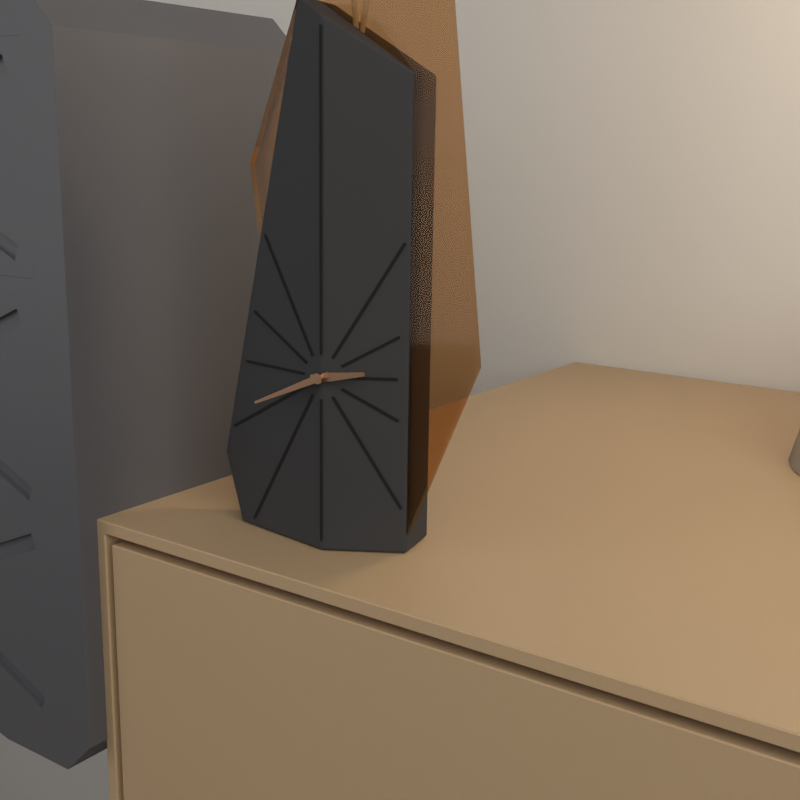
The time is {"hour": 2, "minute": 41}
